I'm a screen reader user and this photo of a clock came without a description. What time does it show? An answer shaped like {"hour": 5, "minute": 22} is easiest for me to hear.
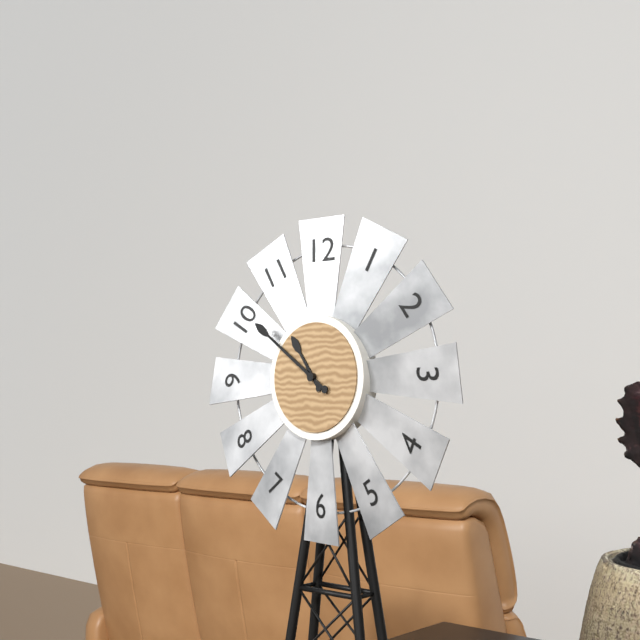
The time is {"hour": 10, "minute": 51}
